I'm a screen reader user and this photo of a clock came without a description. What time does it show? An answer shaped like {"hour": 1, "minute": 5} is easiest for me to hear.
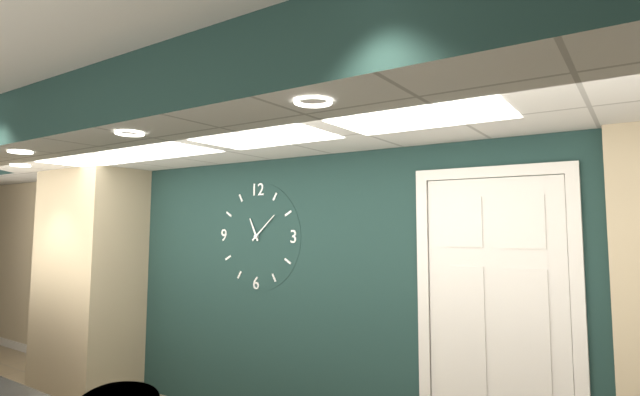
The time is {"hour": 11, "minute": 8}
